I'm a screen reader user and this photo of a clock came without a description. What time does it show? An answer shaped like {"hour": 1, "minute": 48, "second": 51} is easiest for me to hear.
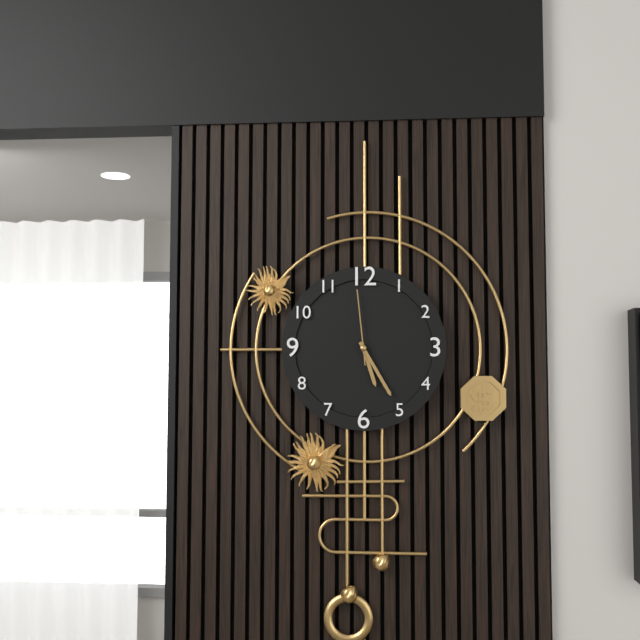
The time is {"hour": 5, "minute": 25, "second": 59}
